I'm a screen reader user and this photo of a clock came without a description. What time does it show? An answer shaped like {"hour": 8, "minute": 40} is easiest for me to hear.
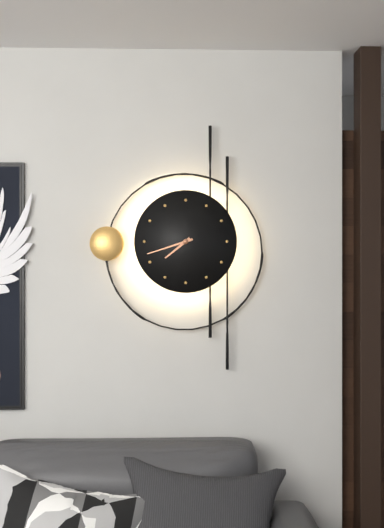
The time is {"hour": 7, "minute": 42}
